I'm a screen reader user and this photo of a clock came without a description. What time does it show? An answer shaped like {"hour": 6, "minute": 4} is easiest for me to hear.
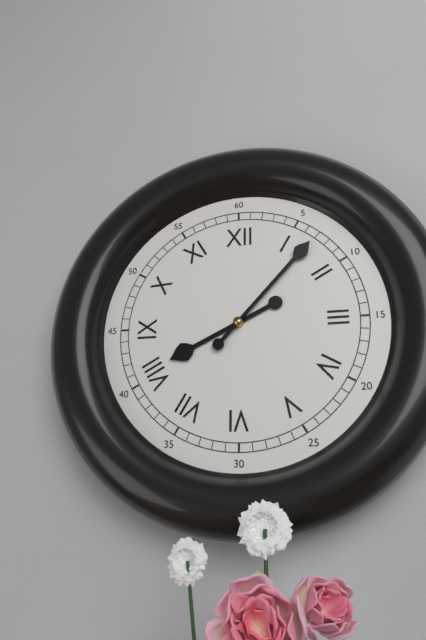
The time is {"hour": 8, "minute": 7}
